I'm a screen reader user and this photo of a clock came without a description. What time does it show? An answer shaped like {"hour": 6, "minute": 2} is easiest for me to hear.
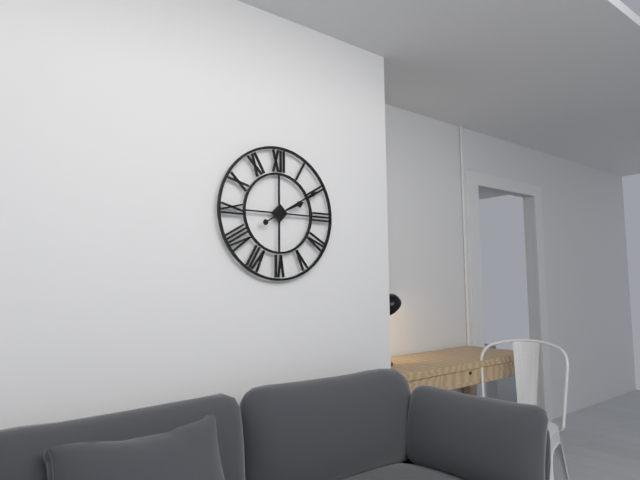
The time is {"hour": 2, "minute": 10}
